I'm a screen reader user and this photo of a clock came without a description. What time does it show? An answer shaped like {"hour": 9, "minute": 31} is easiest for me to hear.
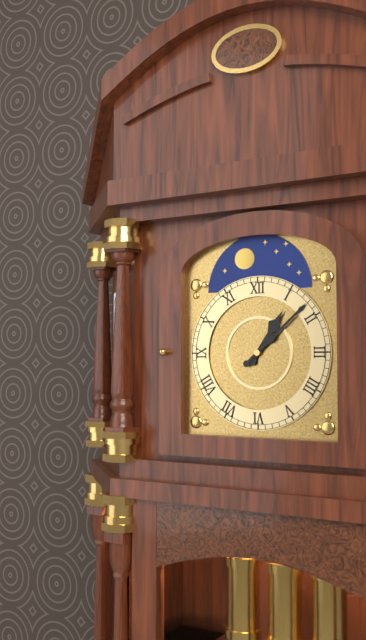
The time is {"hour": 1, "minute": 8}
